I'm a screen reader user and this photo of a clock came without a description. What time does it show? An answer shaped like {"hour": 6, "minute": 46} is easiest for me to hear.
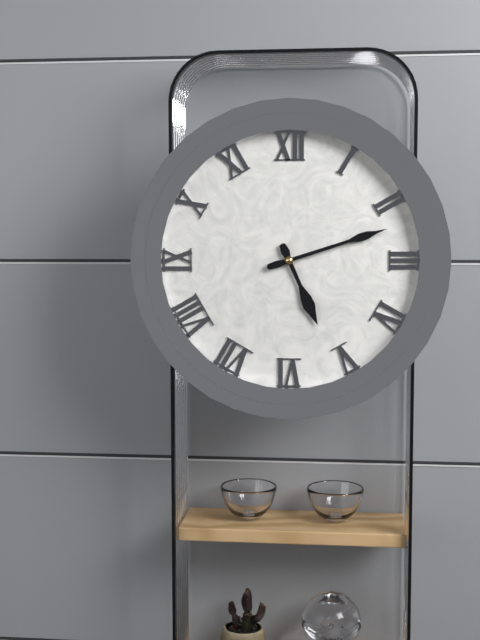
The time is {"hour": 5, "minute": 12}
